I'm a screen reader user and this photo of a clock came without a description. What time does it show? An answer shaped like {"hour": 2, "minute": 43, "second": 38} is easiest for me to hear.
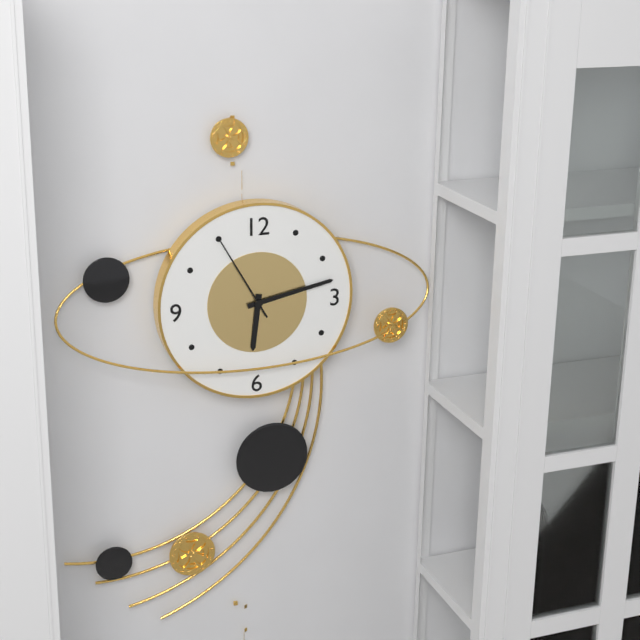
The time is {"hour": 6, "minute": 13, "second": 55}
